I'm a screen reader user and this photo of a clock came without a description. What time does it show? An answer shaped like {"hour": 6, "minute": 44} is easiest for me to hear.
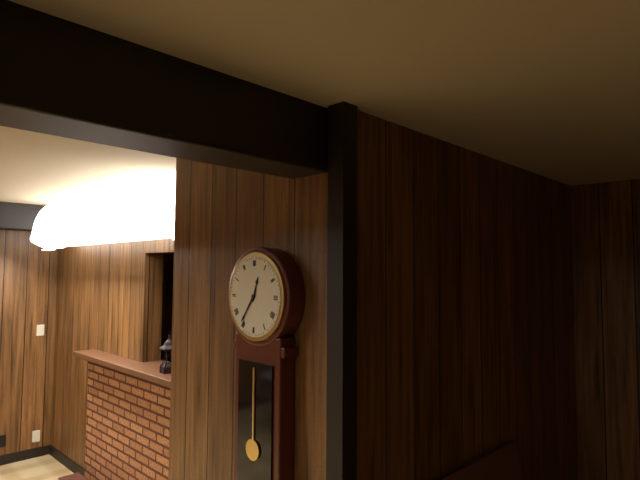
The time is {"hour": 12, "minute": 36}
